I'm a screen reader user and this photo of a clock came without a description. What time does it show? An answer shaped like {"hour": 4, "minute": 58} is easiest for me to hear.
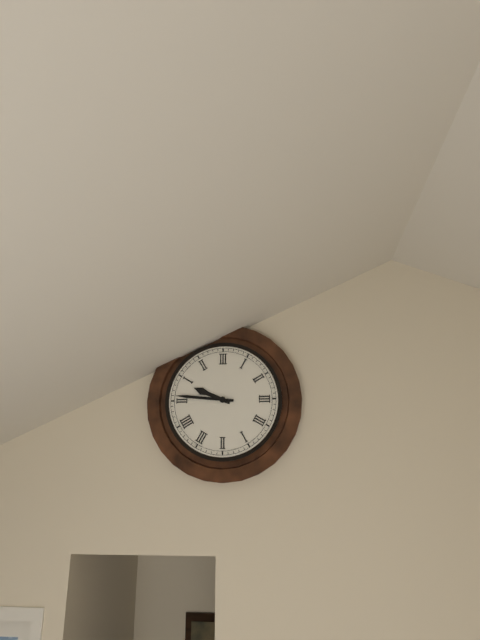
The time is {"hour": 9, "minute": 46}
